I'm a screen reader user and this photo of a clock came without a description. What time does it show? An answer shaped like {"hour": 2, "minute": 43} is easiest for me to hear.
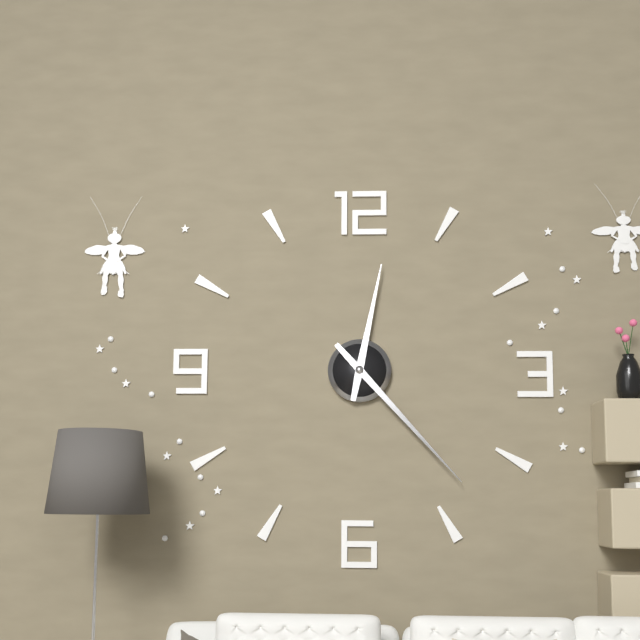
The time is {"hour": 12, "minute": 23}
